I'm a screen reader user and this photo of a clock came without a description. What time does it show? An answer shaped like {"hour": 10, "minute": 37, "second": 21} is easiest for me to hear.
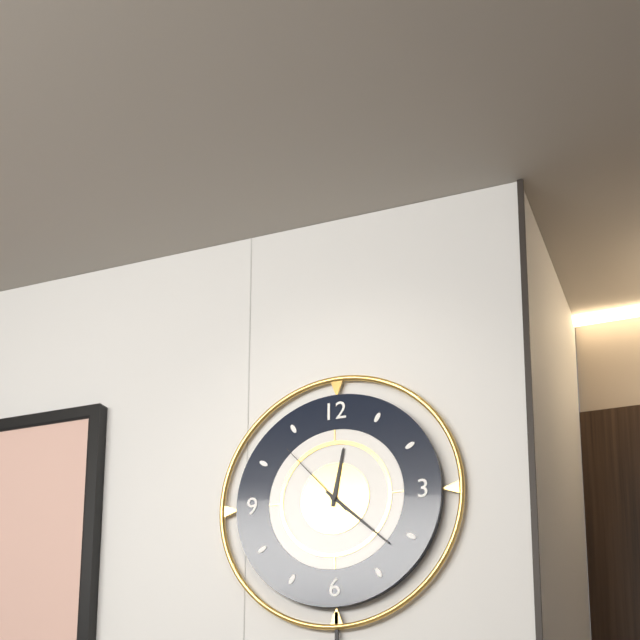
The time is {"hour": 12, "minute": 22, "second": 53}
